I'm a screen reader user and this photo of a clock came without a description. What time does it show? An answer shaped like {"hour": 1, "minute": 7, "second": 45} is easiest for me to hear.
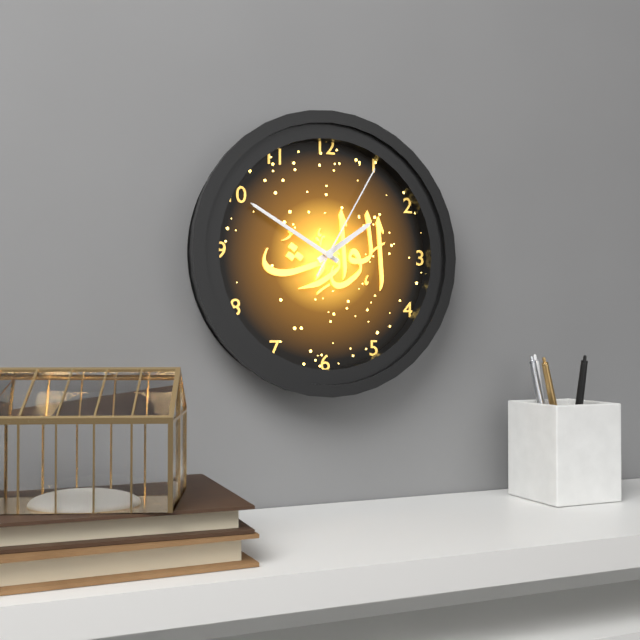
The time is {"hour": 1, "minute": 50, "second": 5}
